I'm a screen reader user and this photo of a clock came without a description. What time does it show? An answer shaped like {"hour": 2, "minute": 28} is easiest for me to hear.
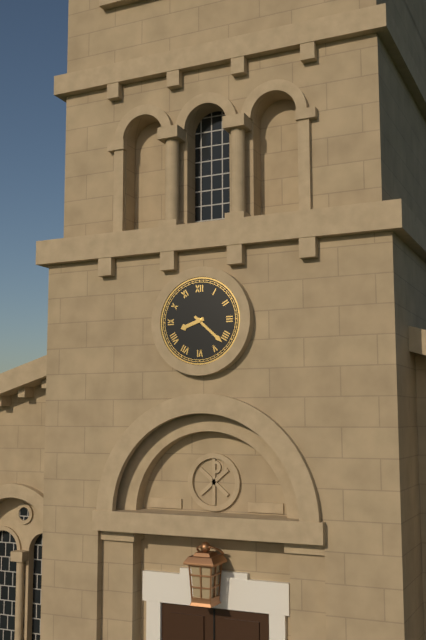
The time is {"hour": 8, "minute": 22}
